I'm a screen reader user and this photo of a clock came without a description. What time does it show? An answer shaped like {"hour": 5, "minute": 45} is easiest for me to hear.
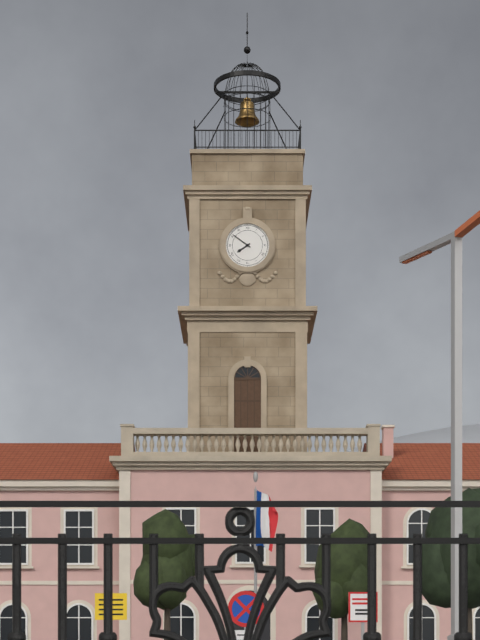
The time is {"hour": 7, "minute": 51}
